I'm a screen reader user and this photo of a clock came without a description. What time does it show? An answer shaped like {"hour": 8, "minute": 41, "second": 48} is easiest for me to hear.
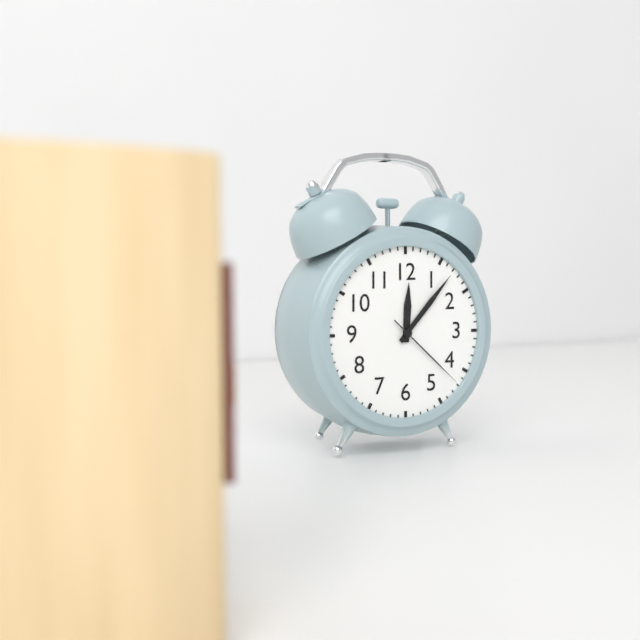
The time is {"hour": 12, "minute": 7, "second": 22}
